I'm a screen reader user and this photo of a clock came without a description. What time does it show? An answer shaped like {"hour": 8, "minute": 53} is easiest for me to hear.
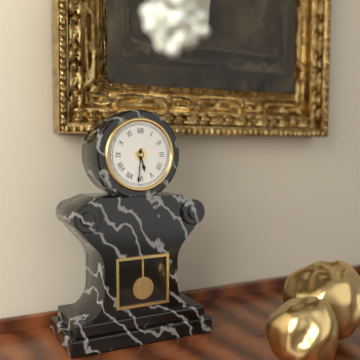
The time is {"hour": 5, "minute": 31}
